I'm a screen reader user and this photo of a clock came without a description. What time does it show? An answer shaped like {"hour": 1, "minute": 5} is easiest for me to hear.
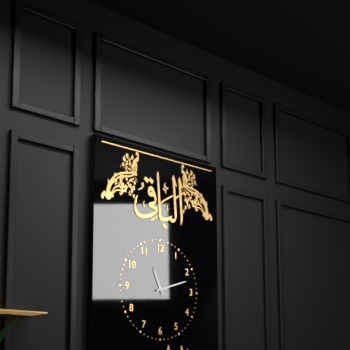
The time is {"hour": 11, "minute": 12}
